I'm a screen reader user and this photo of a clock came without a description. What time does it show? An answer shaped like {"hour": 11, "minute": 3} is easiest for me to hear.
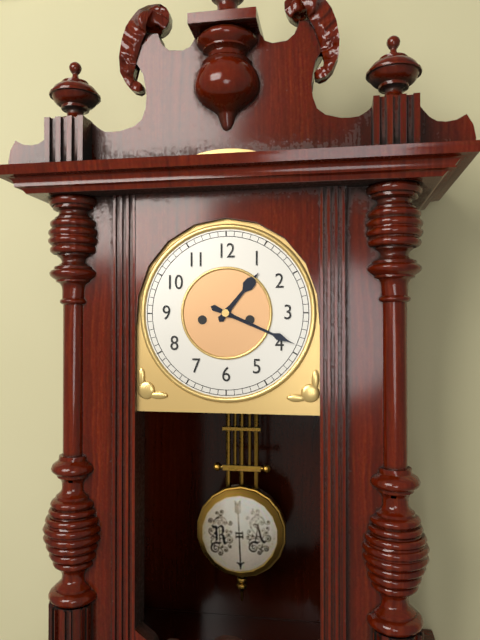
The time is {"hour": 1, "minute": 19}
